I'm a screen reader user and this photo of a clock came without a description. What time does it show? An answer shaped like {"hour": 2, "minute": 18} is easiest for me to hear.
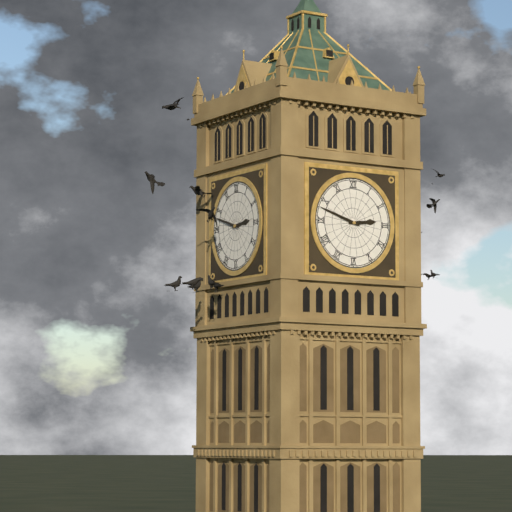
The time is {"hour": 2, "minute": 48}
